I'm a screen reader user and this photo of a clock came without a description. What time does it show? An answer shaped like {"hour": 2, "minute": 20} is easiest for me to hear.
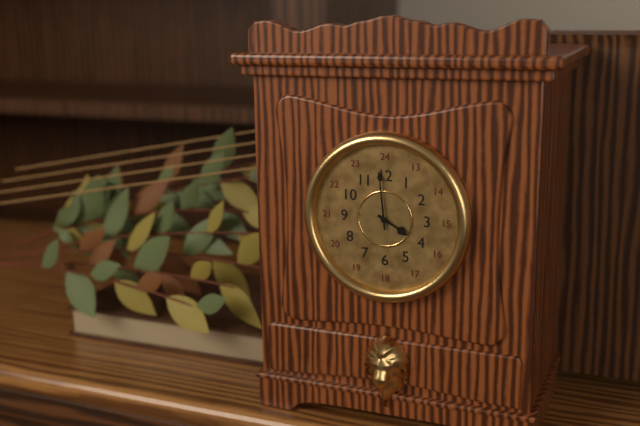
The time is {"hour": 3, "minute": 59}
